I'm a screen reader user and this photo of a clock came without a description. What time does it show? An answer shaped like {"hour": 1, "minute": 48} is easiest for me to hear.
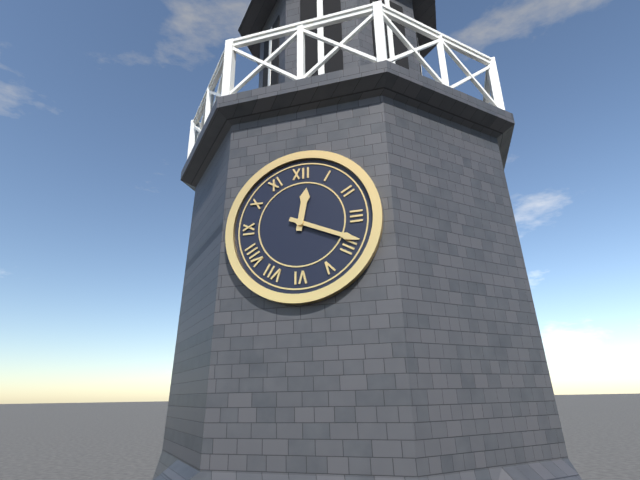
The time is {"hour": 12, "minute": 19}
